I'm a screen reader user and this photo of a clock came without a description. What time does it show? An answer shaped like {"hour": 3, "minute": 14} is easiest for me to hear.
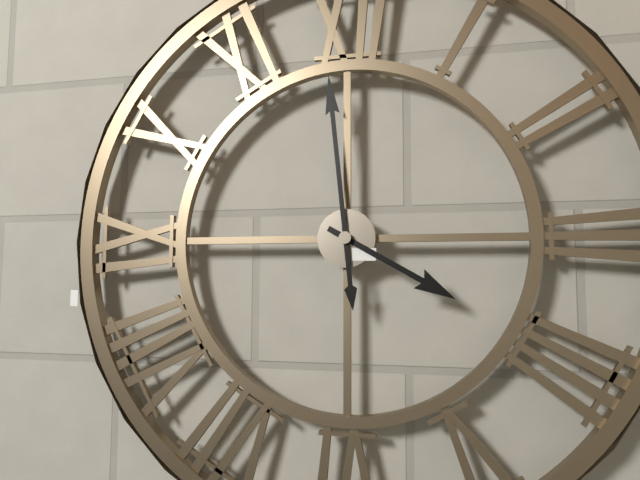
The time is {"hour": 3, "minute": 59}
